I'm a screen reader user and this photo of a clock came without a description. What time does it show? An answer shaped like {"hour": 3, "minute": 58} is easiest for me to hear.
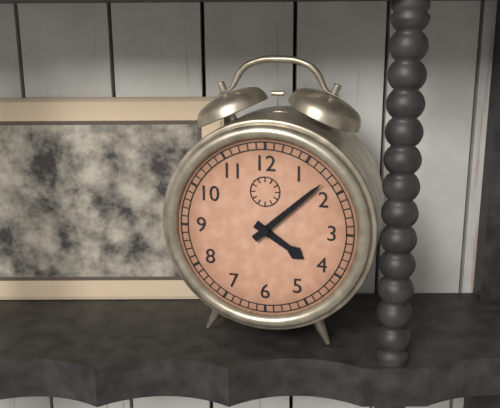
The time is {"hour": 4, "minute": 8}
